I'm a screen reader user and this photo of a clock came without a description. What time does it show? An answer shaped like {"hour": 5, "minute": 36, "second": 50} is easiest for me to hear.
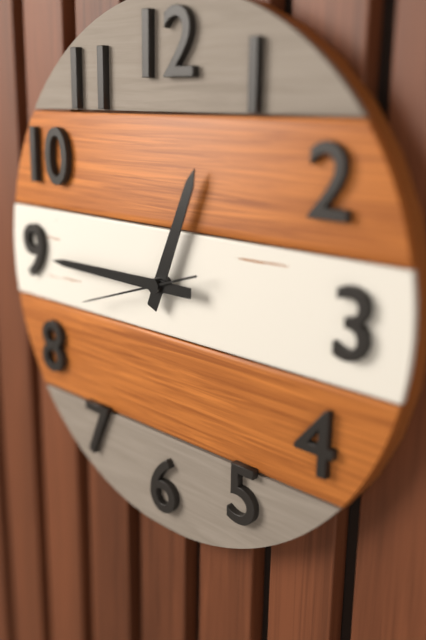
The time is {"hour": 12, "minute": 45, "second": 42}
